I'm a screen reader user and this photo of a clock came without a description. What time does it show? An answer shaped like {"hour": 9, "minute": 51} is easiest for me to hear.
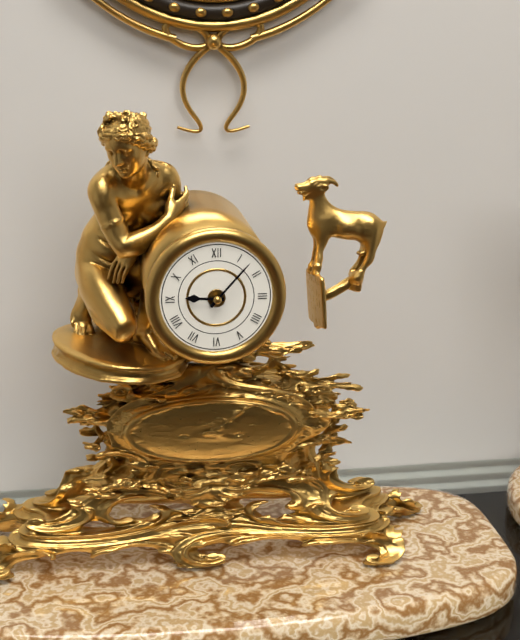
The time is {"hour": 9, "minute": 7}
